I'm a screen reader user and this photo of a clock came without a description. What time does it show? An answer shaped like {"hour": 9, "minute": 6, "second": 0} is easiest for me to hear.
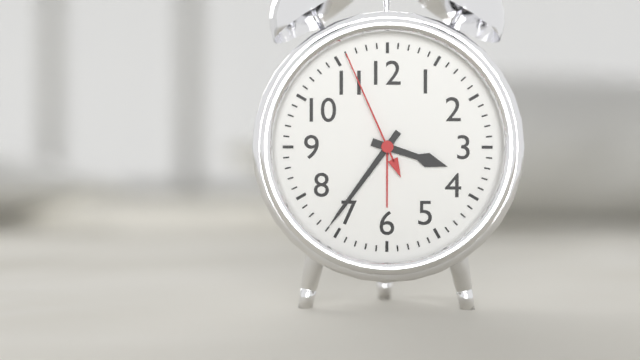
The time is {"hour": 3, "minute": 36, "second": 56}
